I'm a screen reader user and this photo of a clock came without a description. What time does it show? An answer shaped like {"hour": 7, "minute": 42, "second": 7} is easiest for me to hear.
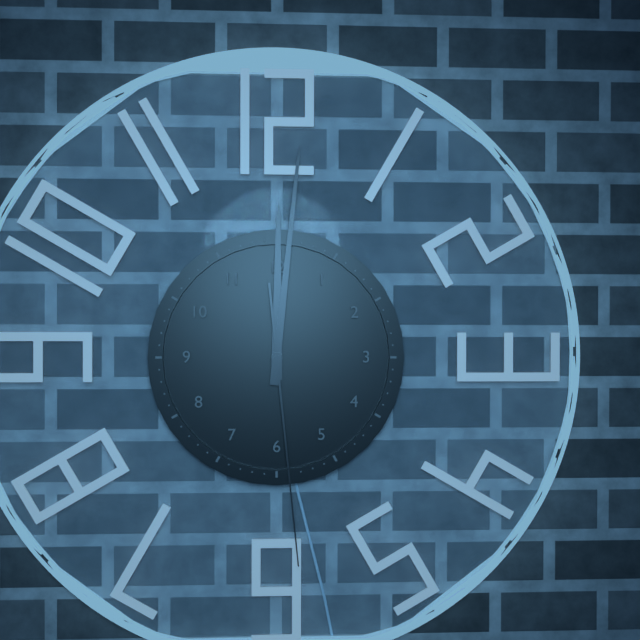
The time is {"hour": 12, "minute": 1, "second": 29}
